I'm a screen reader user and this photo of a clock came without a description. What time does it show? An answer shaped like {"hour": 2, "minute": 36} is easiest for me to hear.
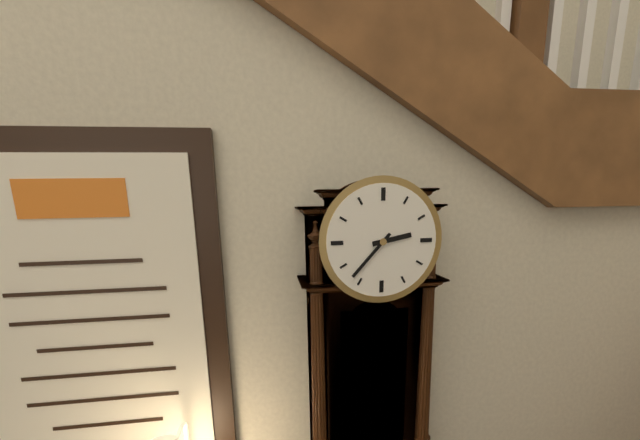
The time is {"hour": 2, "minute": 37}
